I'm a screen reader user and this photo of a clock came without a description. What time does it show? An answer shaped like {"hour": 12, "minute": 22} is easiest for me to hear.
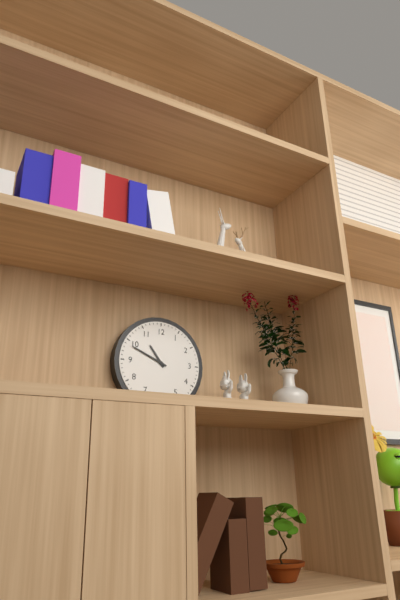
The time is {"hour": 10, "minute": 49}
